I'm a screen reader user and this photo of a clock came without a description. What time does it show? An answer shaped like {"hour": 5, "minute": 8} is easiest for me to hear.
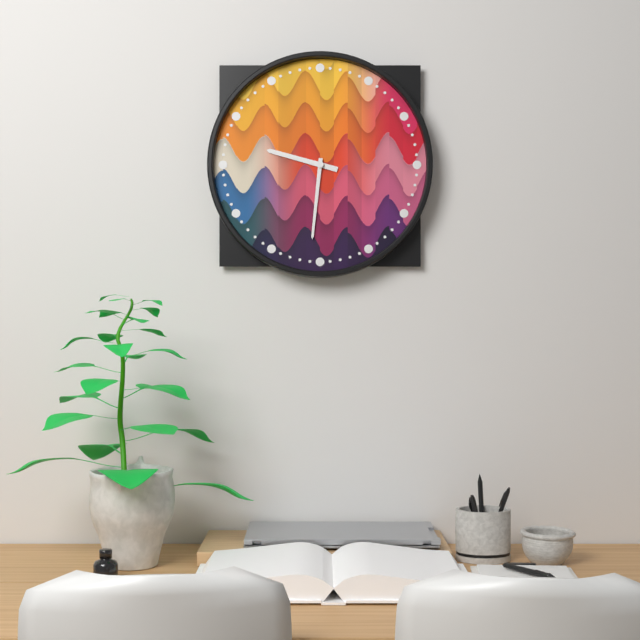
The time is {"hour": 9, "minute": 31}
